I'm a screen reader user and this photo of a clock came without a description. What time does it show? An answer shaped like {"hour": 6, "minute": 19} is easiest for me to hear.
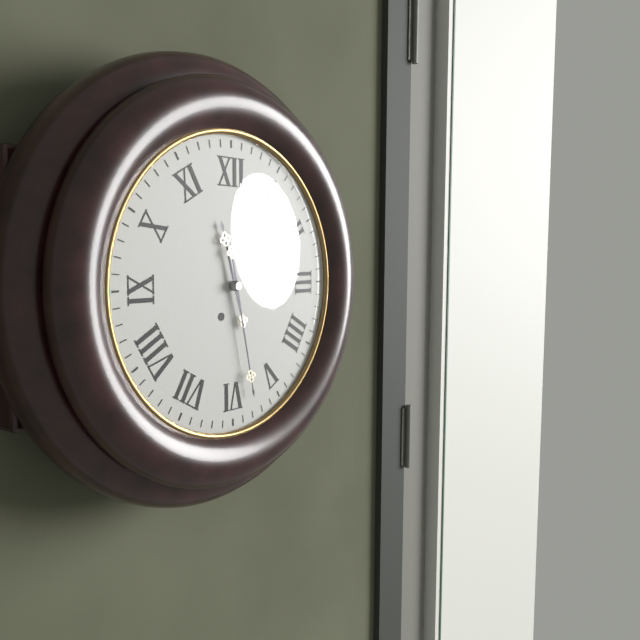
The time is {"hour": 11, "minute": 28}
